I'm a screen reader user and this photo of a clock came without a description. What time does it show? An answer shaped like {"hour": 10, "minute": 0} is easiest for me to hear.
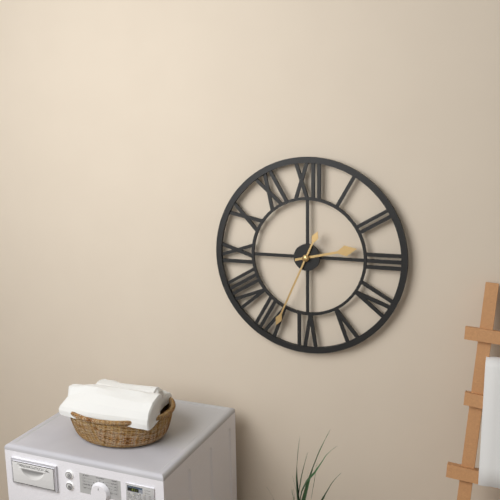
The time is {"hour": 2, "minute": 34}
